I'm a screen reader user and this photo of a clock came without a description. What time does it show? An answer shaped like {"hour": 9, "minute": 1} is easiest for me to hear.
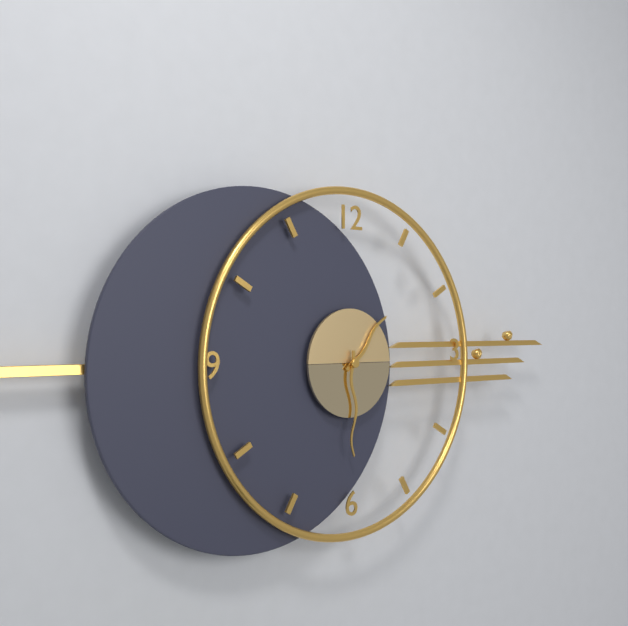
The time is {"hour": 1, "minute": 30}
